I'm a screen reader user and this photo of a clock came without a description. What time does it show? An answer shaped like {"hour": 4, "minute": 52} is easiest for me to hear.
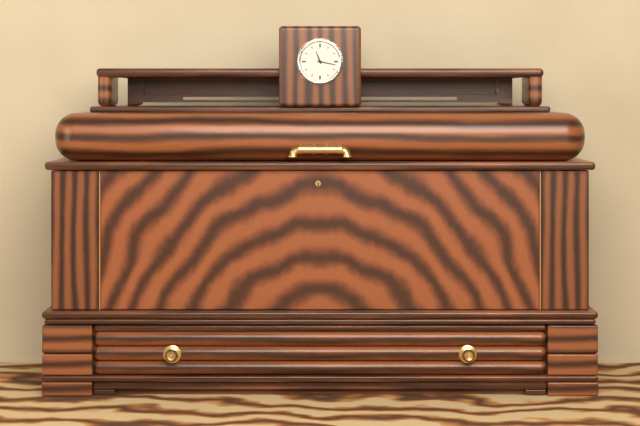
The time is {"hour": 11, "minute": 17}
